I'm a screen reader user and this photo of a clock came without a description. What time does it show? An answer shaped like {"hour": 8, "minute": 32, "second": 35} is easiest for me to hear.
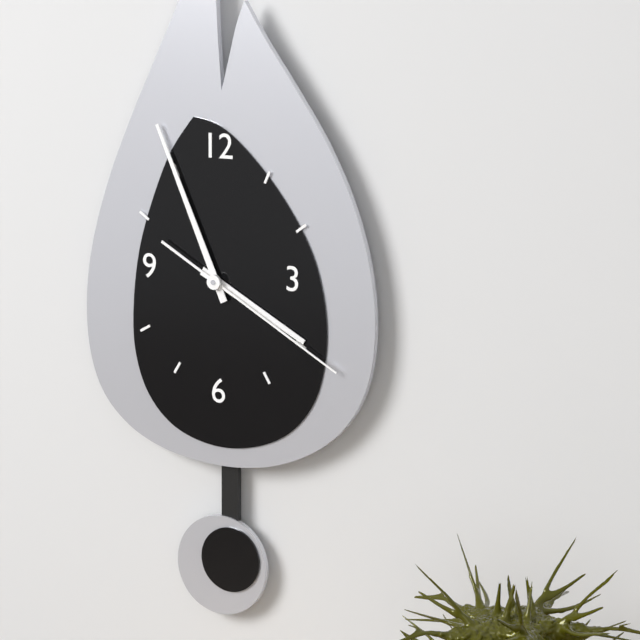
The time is {"hour": 3, "minute": 56, "second": 20}
